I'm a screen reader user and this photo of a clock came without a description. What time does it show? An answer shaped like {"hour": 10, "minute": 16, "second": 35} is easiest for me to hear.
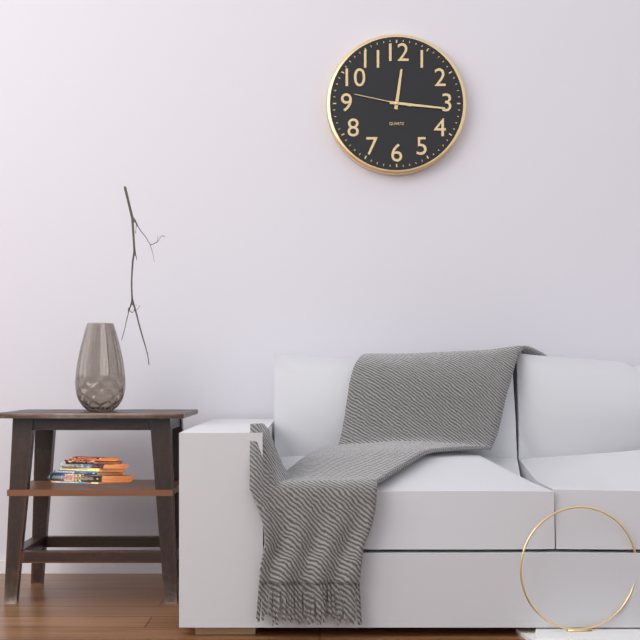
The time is {"hour": 12, "minute": 16, "second": 47}
